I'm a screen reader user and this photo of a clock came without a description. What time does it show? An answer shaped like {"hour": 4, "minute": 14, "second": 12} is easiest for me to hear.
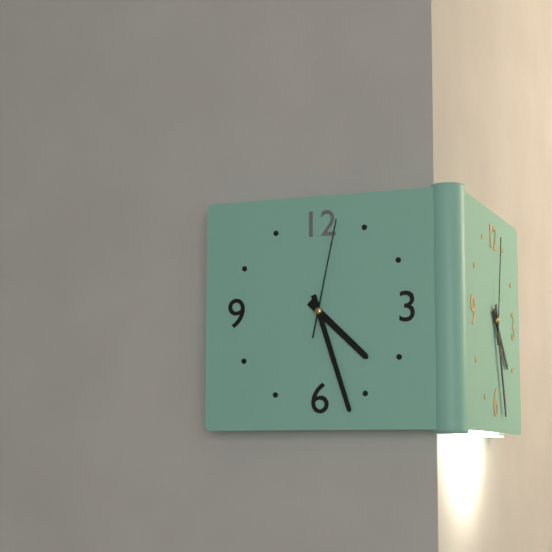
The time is {"hour": 4, "minute": 27, "second": 2}
